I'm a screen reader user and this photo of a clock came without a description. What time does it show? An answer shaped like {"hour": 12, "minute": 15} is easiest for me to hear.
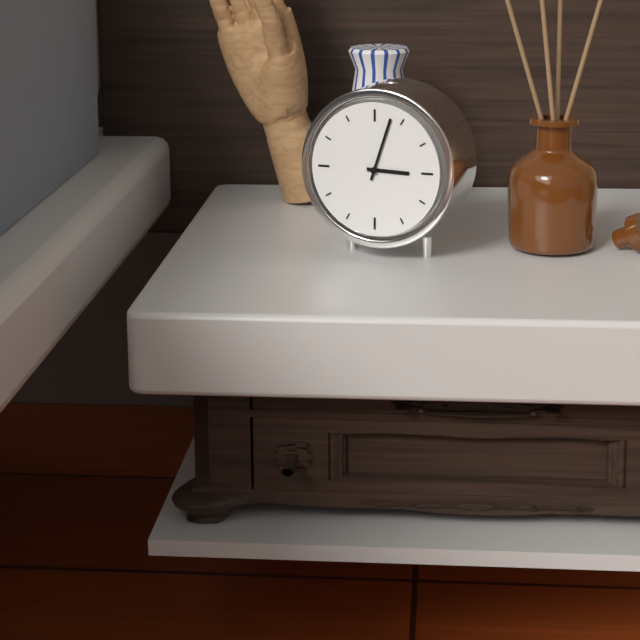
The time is {"hour": 3, "minute": 3}
